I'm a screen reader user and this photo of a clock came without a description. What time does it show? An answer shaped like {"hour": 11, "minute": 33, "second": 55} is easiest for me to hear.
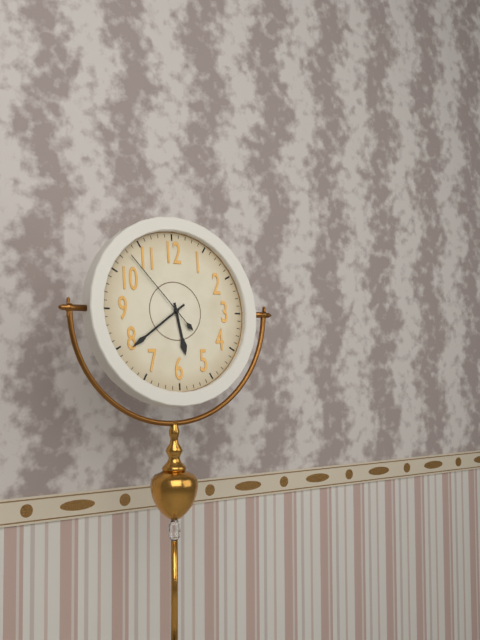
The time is {"hour": 5, "minute": 39, "second": 53}
